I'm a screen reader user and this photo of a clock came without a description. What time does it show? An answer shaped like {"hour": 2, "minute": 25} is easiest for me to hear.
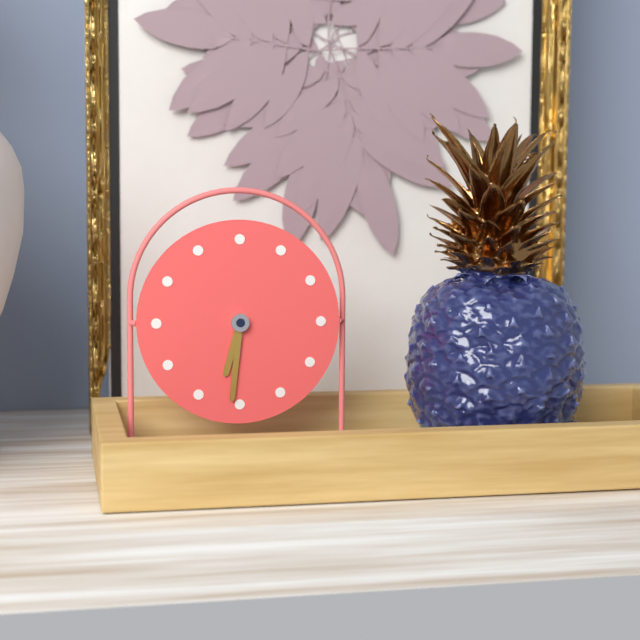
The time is {"hour": 6, "minute": 31}
